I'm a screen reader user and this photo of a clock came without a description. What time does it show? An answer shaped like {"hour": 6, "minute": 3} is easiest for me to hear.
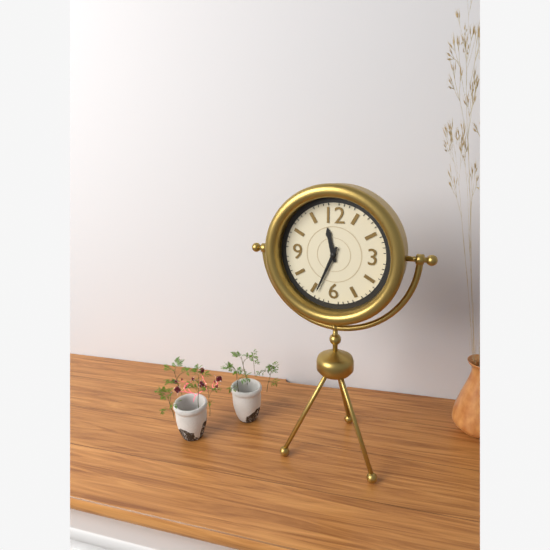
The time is {"hour": 11, "minute": 34}
